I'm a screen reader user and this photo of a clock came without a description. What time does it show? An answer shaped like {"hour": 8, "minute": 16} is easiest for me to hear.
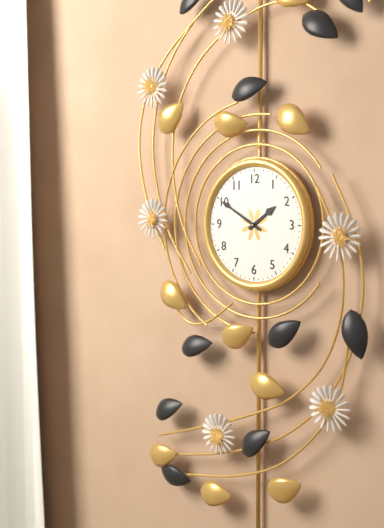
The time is {"hour": 1, "minute": 50}
